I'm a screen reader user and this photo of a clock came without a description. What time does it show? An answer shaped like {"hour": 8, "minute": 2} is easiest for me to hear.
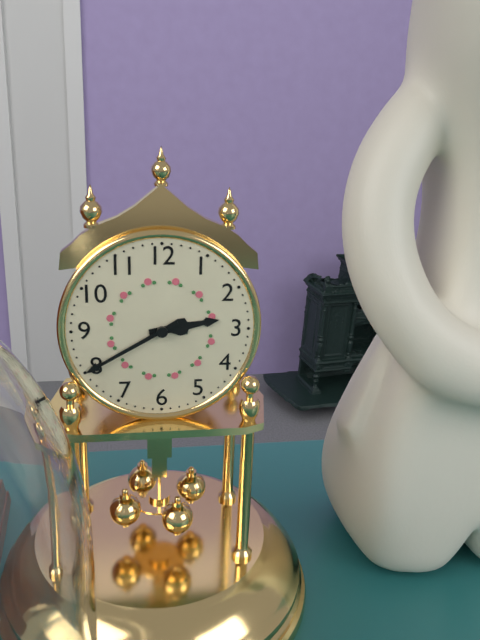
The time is {"hour": 2, "minute": 40}
